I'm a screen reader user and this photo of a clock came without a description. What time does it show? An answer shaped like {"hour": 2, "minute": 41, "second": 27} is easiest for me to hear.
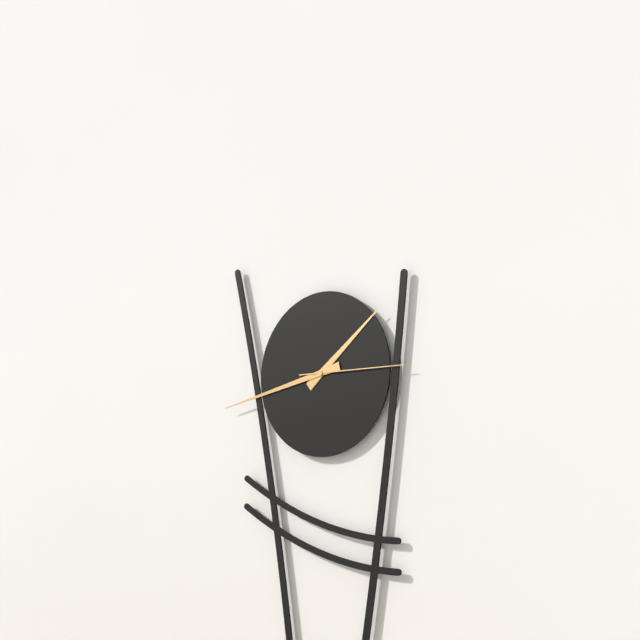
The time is {"hour": 1, "minute": 43, "second": 15}
